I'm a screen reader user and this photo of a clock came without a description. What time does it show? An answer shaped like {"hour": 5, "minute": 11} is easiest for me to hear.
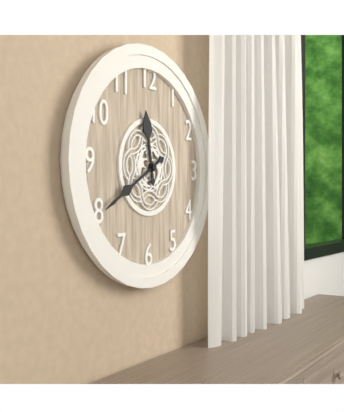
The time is {"hour": 11, "minute": 40}
